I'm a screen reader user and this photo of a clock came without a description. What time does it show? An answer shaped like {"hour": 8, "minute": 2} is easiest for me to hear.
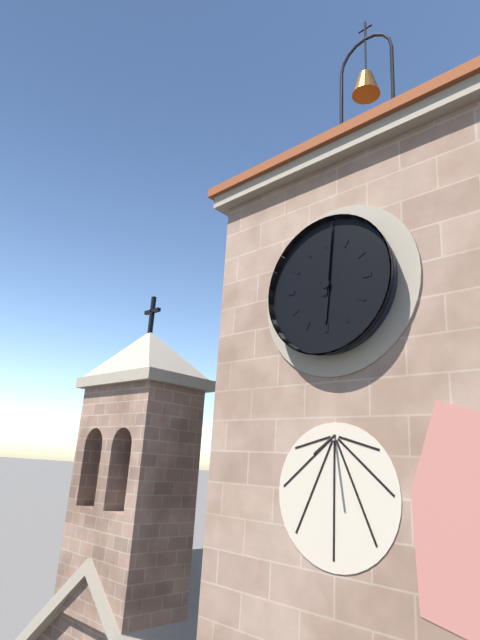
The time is {"hour": 6, "minute": 1}
